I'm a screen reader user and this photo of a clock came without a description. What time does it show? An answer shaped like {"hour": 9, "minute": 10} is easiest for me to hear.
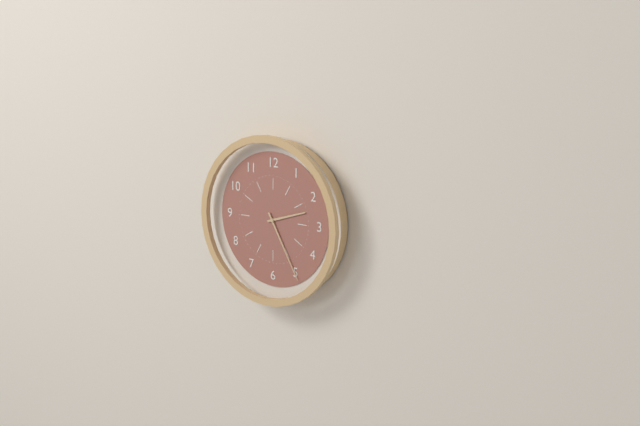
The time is {"hour": 2, "minute": 25}
